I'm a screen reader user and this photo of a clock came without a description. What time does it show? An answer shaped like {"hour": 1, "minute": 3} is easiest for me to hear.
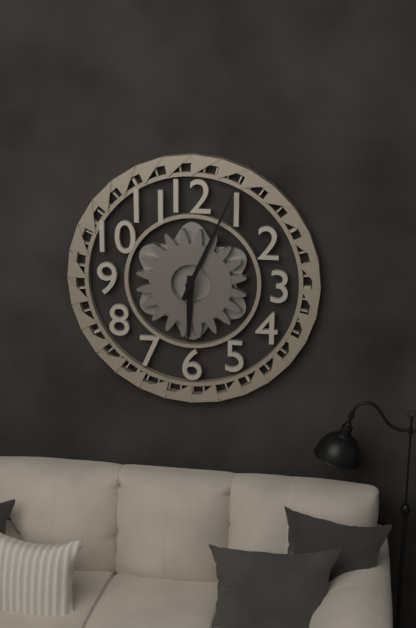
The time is {"hour": 6, "minute": 4}
